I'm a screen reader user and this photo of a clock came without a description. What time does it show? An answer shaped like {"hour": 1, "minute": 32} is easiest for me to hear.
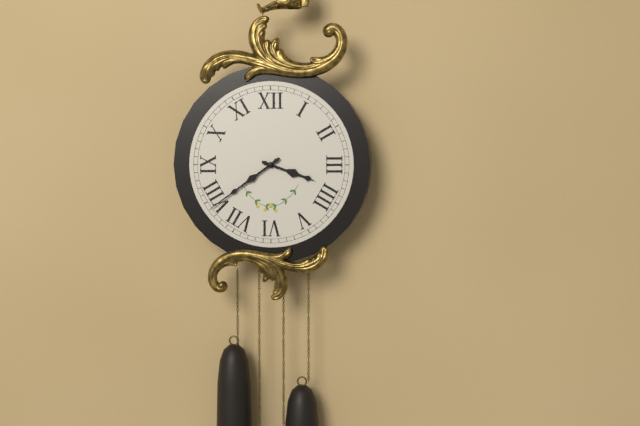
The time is {"hour": 3, "minute": 39}
